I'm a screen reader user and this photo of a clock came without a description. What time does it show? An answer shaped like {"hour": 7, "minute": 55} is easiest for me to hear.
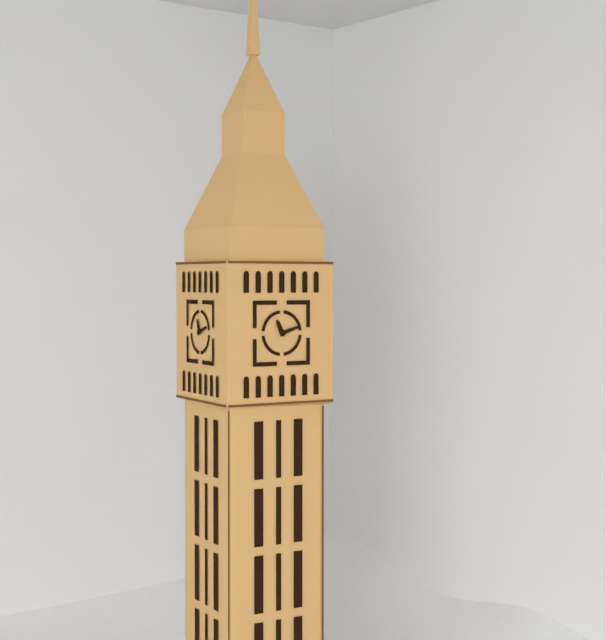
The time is {"hour": 11, "minute": 12}
